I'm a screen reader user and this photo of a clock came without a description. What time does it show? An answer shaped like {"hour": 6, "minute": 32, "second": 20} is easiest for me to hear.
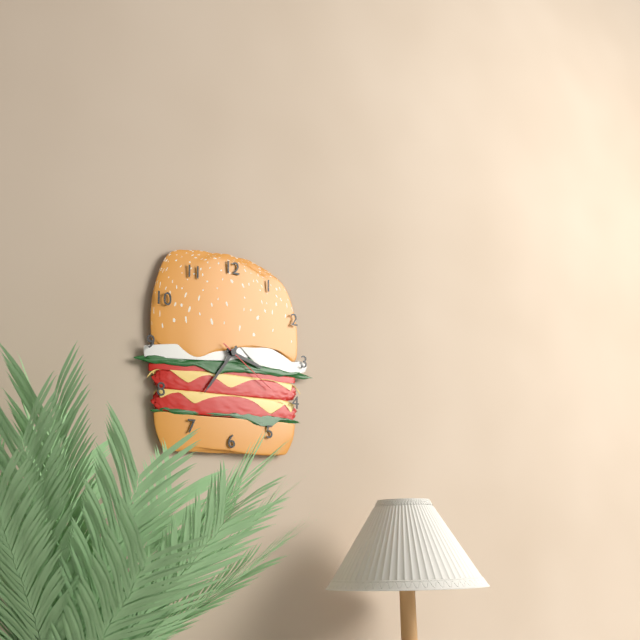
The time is {"hour": 3, "minute": 36, "second": 21}
